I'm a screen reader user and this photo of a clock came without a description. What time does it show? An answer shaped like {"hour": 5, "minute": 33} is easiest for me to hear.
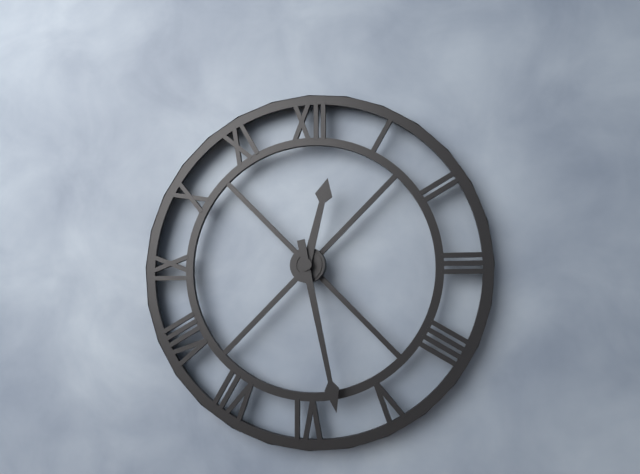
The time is {"hour": 12, "minute": 28}
